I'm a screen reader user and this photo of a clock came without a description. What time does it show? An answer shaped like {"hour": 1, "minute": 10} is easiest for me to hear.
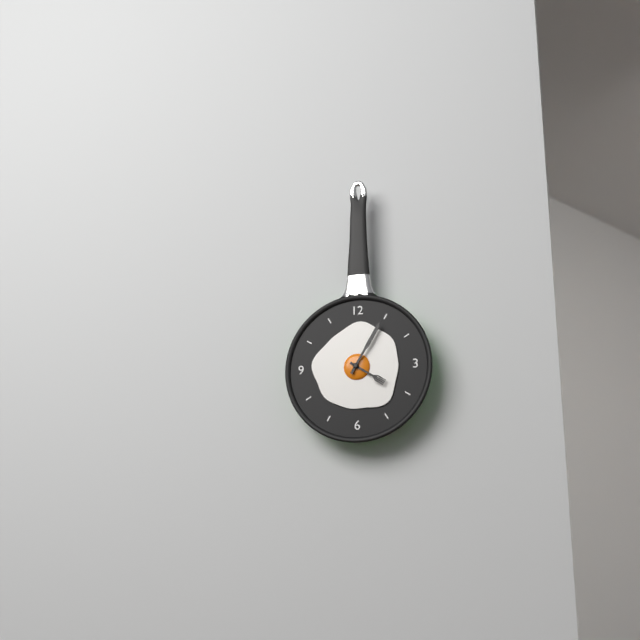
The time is {"hour": 4, "minute": 5}
